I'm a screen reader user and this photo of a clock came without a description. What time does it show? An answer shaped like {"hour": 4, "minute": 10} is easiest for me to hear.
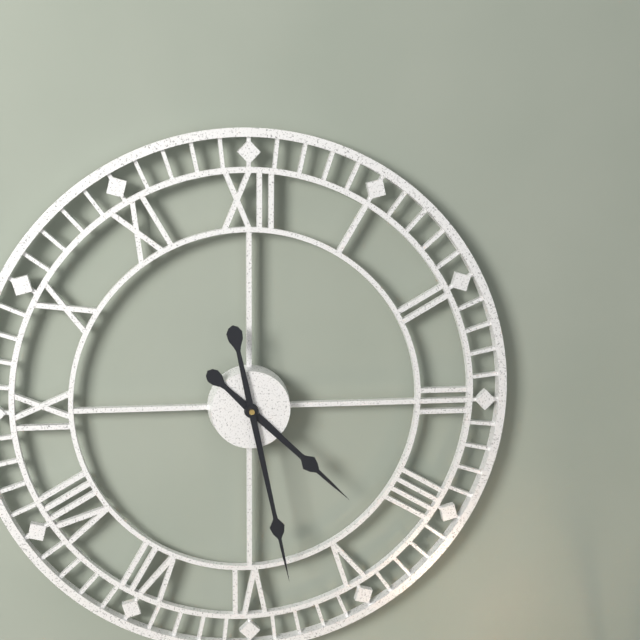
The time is {"hour": 4, "minute": 28}
